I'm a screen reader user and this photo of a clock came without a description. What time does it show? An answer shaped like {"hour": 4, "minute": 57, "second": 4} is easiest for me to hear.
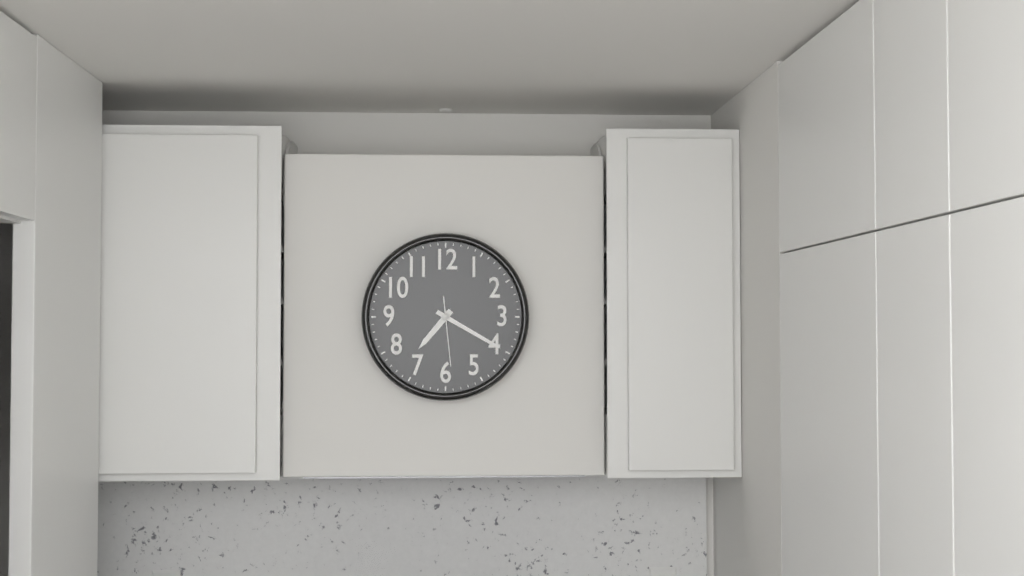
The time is {"hour": 7, "minute": 20, "second": 29}
